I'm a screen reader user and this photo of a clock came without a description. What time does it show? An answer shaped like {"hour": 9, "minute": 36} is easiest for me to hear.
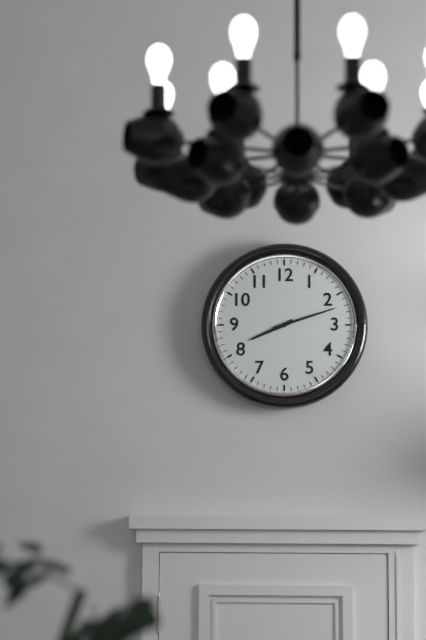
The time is {"hour": 8, "minute": 12}
